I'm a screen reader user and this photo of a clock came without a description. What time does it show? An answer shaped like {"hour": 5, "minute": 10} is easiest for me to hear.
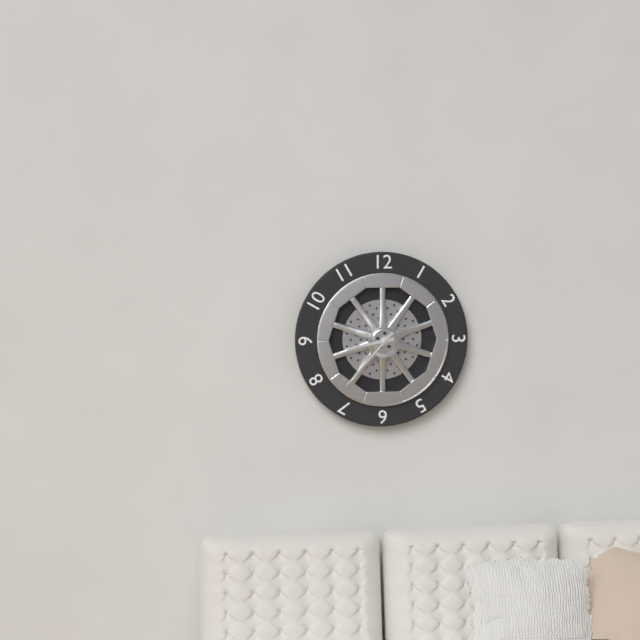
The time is {"hour": 8, "minute": 37}
